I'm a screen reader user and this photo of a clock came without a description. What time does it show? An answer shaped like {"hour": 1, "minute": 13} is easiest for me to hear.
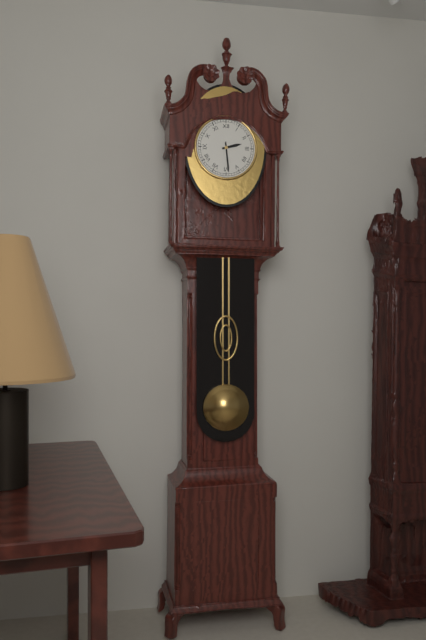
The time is {"hour": 2, "minute": 29}
